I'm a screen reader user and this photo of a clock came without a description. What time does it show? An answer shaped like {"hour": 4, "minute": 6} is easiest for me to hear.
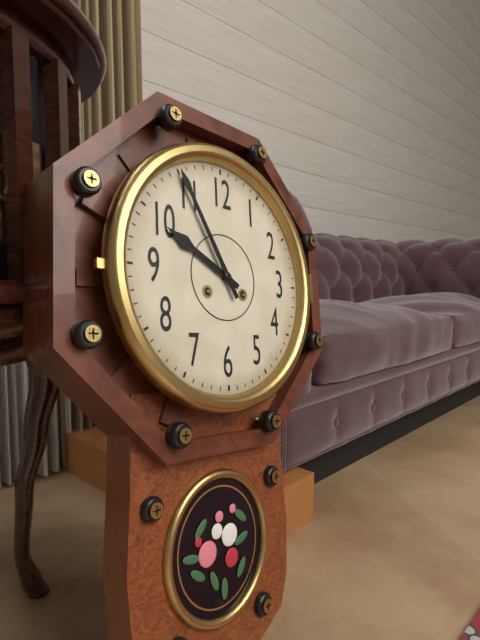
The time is {"hour": 9, "minute": 55}
